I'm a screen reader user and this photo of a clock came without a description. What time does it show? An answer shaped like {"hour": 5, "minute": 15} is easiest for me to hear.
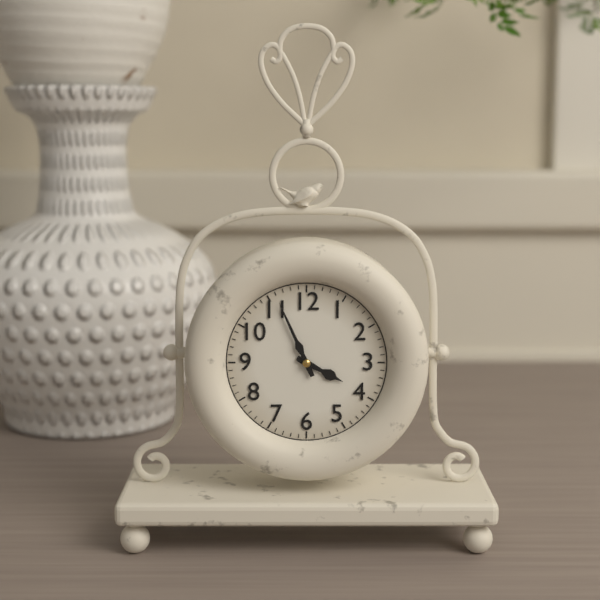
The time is {"hour": 3, "minute": 56}
